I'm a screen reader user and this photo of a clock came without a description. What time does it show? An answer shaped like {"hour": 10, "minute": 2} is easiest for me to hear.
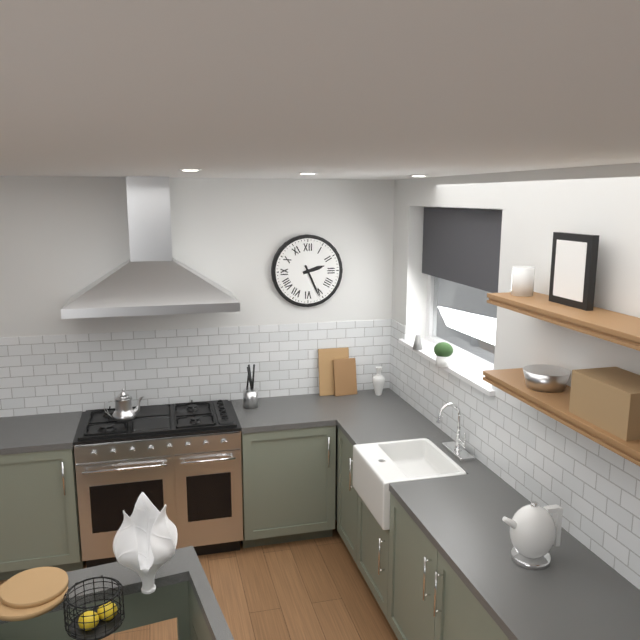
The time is {"hour": 2, "minute": 26}
